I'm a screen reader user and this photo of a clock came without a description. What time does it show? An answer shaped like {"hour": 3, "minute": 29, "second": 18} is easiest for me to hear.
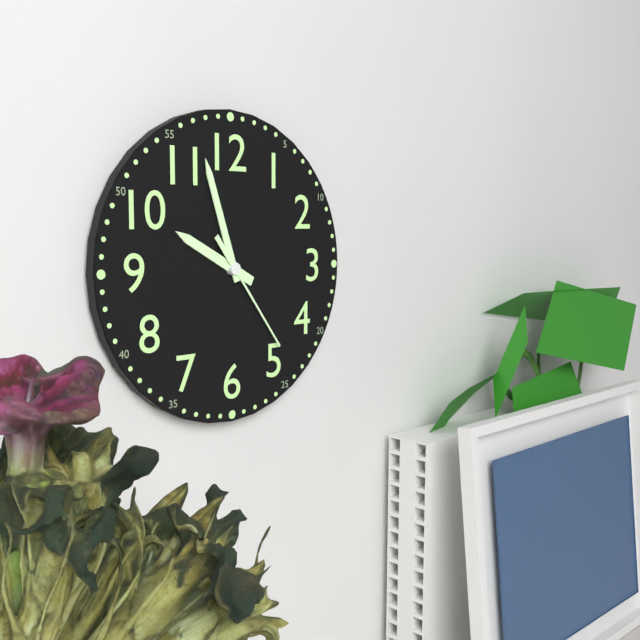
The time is {"hour": 9, "minute": 57, "second": 24}
